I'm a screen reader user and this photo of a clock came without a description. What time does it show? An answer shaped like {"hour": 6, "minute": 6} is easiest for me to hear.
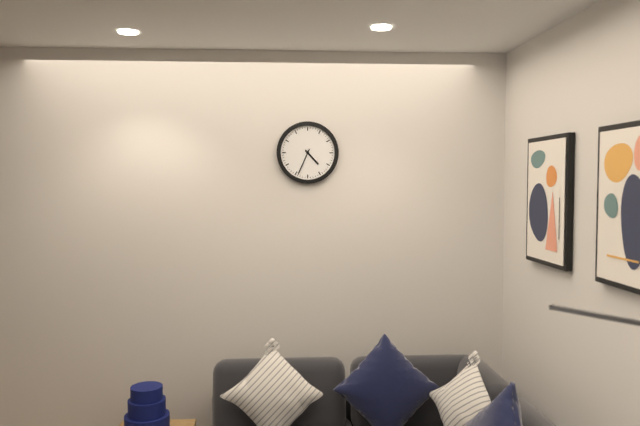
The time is {"hour": 4, "minute": 34}
